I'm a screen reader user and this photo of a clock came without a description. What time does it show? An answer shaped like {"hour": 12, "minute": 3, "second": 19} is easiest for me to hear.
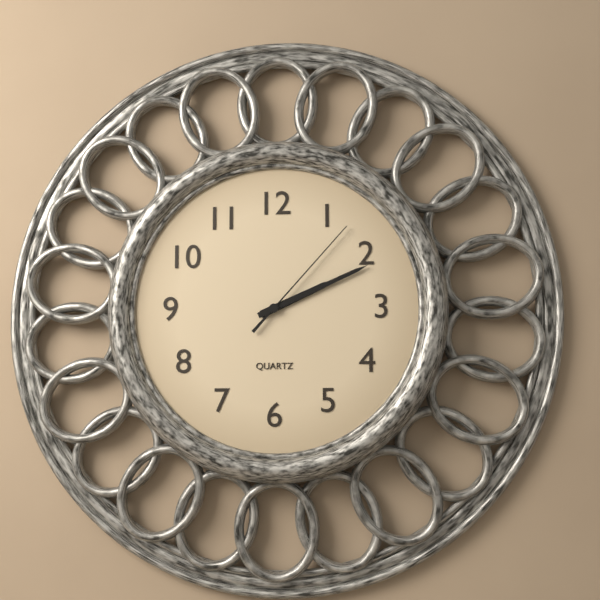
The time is {"hour": 2, "minute": 11, "second": 7}
